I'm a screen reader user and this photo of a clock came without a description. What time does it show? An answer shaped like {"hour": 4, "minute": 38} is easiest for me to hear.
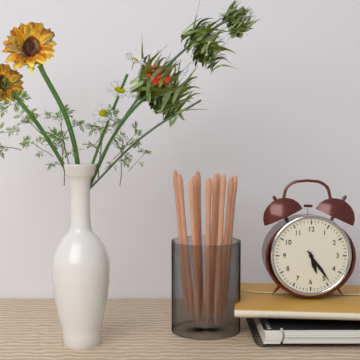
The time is {"hour": 5, "minute": 24}
